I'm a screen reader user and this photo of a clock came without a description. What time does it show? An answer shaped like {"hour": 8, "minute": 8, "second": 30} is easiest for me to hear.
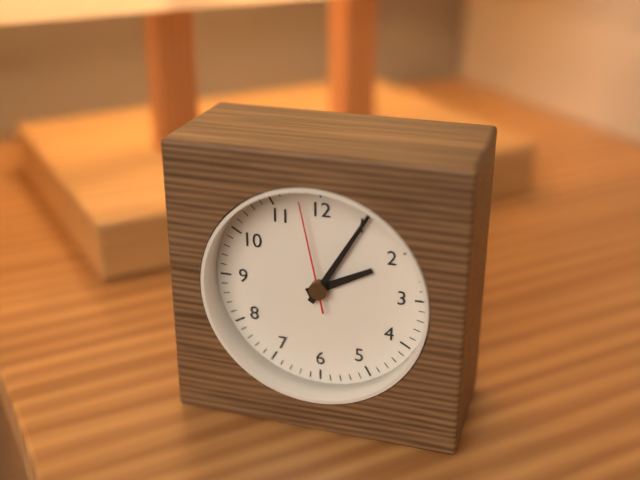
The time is {"hour": 2, "minute": 5, "second": 58}
